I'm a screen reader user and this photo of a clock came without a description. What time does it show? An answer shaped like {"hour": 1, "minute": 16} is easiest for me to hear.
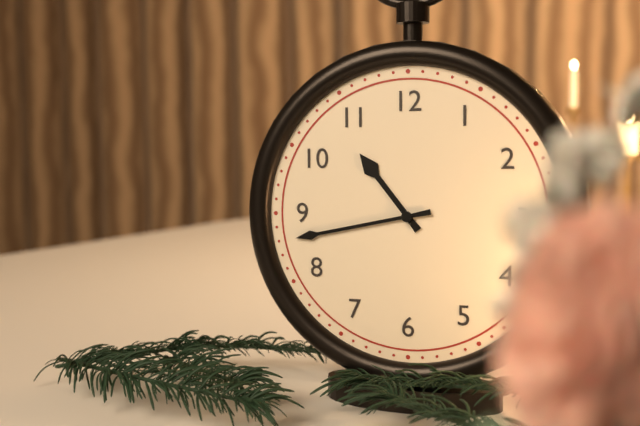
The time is {"hour": 10, "minute": 43}
